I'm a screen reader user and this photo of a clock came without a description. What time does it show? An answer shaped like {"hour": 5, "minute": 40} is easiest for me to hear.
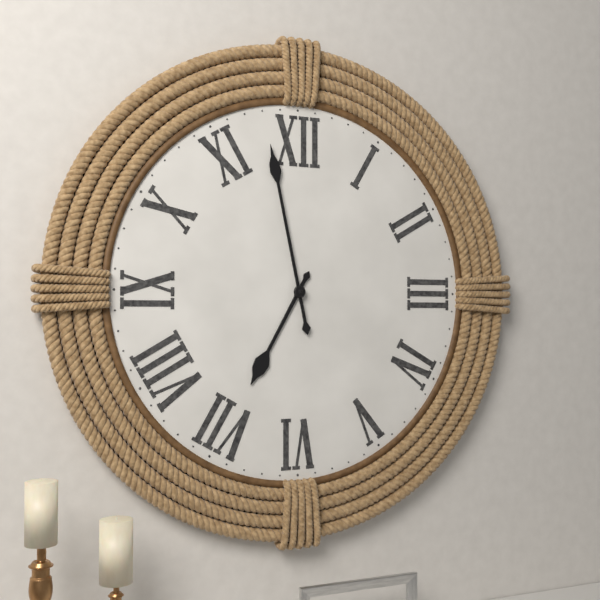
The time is {"hour": 6, "minute": 58}
